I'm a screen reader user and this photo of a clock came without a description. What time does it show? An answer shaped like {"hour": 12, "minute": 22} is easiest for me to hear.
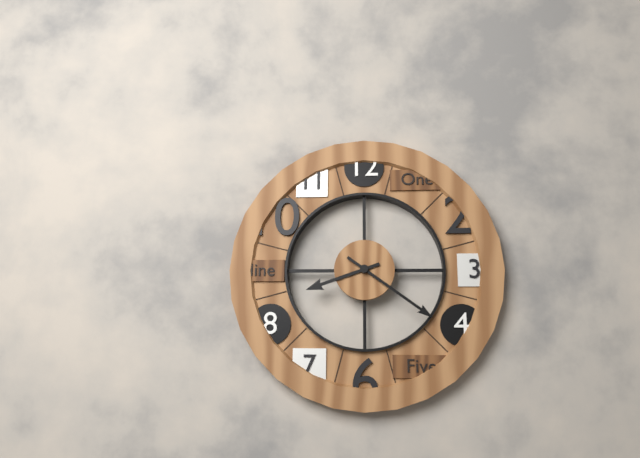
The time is {"hour": 8, "minute": 21}
